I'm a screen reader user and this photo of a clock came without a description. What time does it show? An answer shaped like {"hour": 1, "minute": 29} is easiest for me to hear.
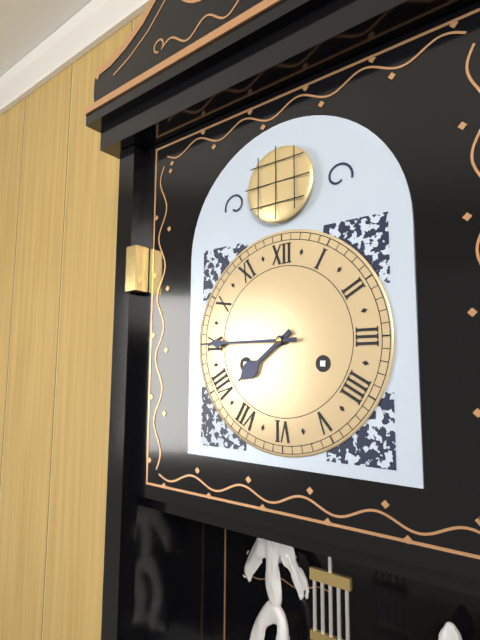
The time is {"hour": 7, "minute": 45}
